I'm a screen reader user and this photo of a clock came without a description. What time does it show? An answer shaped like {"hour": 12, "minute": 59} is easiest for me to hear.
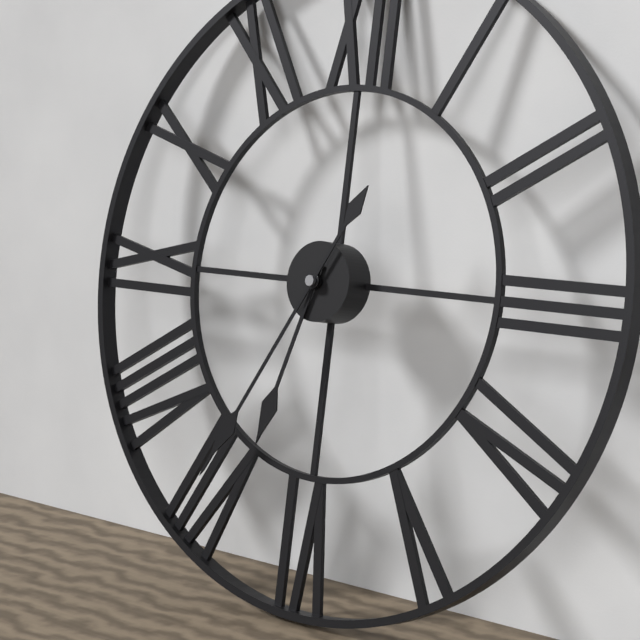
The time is {"hour": 6, "minute": 35}
